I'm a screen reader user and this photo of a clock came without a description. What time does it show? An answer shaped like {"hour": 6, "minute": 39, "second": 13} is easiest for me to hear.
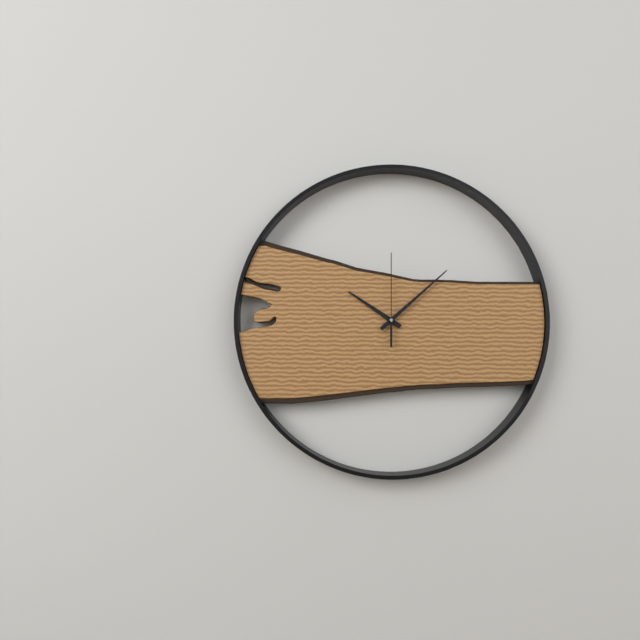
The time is {"hour": 10, "minute": 8, "second": 0}
